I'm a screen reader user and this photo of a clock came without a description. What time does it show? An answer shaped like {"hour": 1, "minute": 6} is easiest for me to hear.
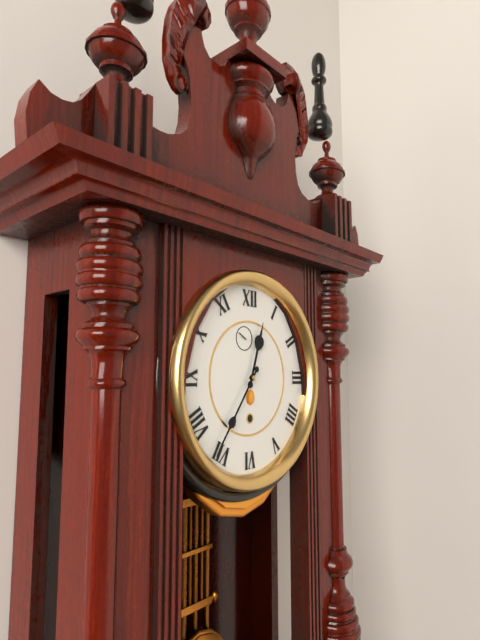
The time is {"hour": 12, "minute": 36}
